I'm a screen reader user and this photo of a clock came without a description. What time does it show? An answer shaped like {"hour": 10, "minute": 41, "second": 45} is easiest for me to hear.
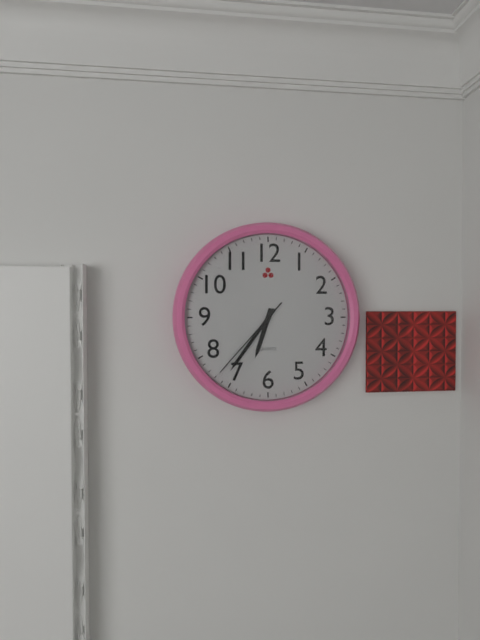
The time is {"hour": 6, "minute": 36, "second": 37}
